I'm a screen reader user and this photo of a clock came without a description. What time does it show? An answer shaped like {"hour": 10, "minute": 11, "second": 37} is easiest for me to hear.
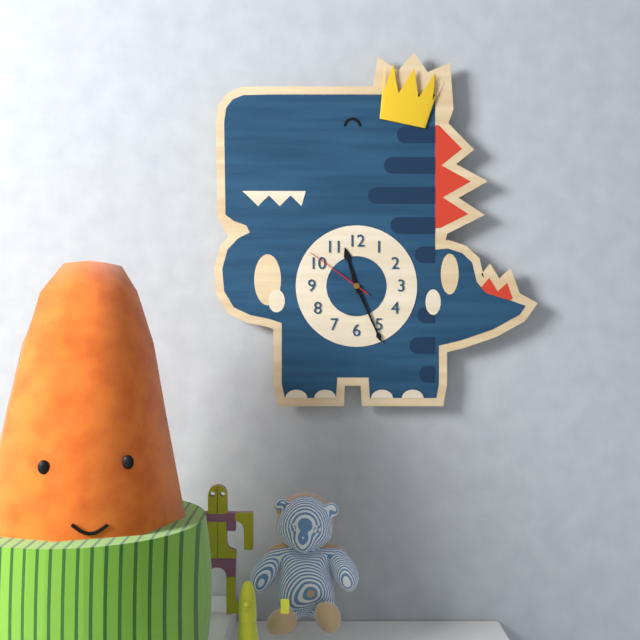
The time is {"hour": 11, "minute": 26, "second": 51}
